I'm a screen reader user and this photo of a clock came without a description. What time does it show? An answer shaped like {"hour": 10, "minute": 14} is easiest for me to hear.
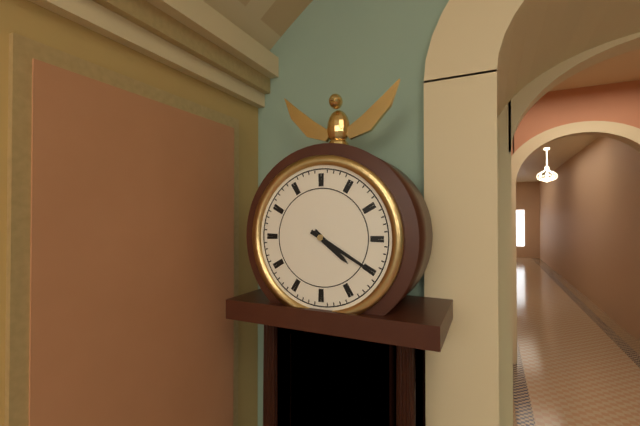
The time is {"hour": 4, "minute": 20}
